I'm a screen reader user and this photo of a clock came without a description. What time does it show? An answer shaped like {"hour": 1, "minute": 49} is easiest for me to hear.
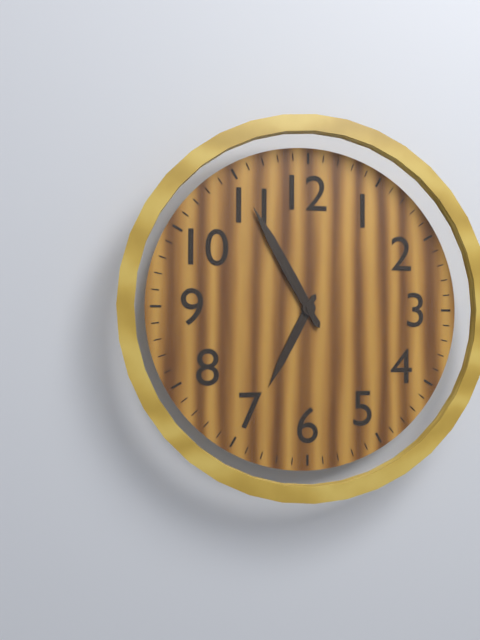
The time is {"hour": 6, "minute": 55}
